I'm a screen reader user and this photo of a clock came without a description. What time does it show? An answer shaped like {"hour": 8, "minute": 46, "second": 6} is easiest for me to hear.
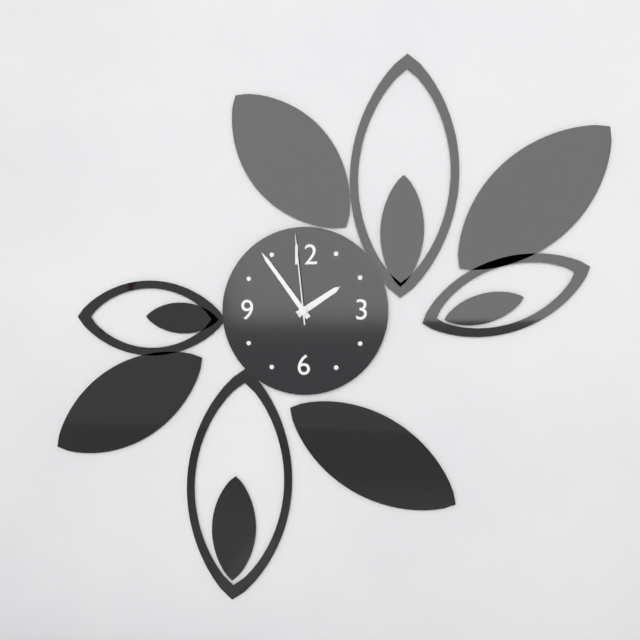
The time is {"hour": 1, "minute": 54, "second": 59}
